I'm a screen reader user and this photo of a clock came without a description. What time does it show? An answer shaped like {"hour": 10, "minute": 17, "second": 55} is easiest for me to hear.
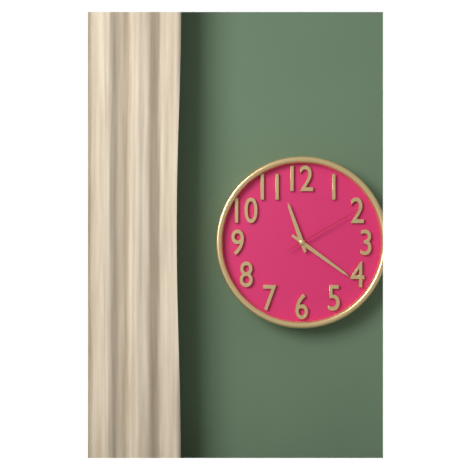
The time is {"hour": 11, "minute": 21, "second": 10}
